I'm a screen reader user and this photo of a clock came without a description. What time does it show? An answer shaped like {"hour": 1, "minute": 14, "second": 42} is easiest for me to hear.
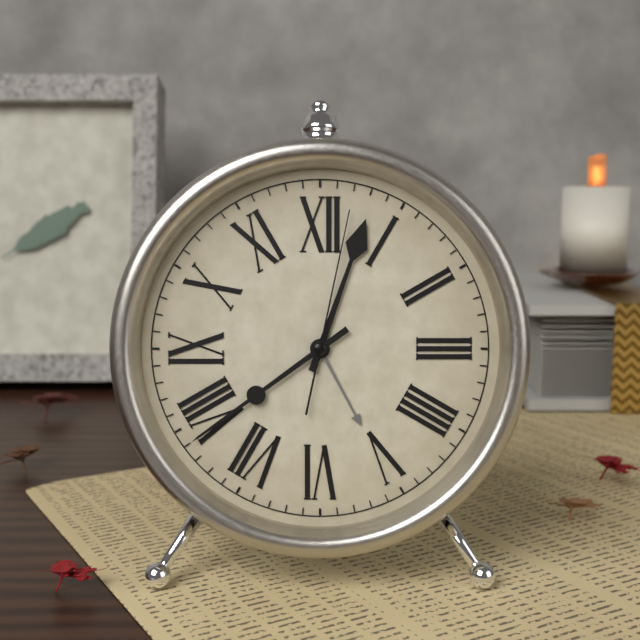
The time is {"hour": 12, "minute": 39, "second": 2}
